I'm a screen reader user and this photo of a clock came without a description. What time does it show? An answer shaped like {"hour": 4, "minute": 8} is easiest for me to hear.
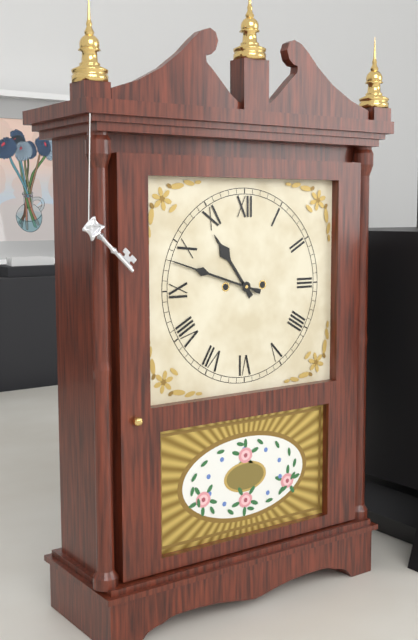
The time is {"hour": 10, "minute": 48}
